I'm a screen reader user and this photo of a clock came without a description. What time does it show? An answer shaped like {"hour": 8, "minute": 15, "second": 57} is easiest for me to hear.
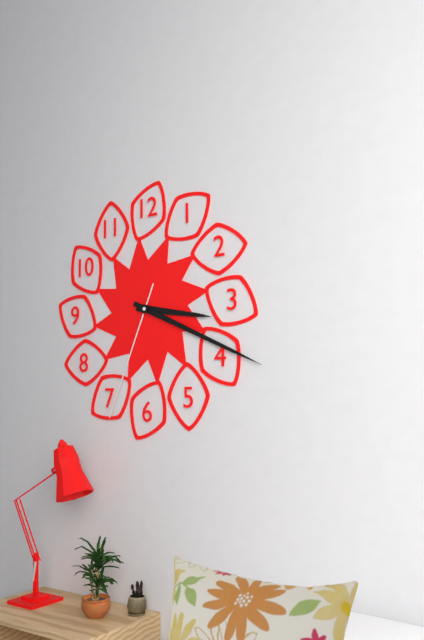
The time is {"hour": 3, "minute": 19, "second": 34}
